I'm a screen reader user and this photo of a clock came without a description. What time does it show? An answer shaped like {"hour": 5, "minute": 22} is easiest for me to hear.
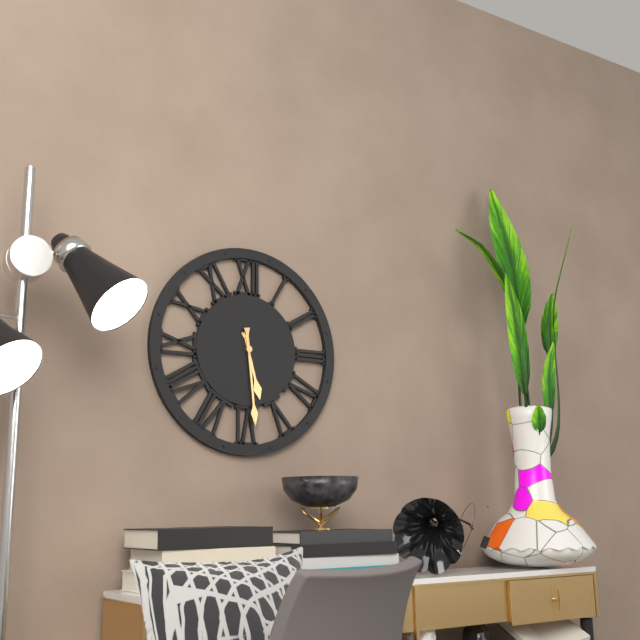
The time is {"hour": 5, "minute": 29}
